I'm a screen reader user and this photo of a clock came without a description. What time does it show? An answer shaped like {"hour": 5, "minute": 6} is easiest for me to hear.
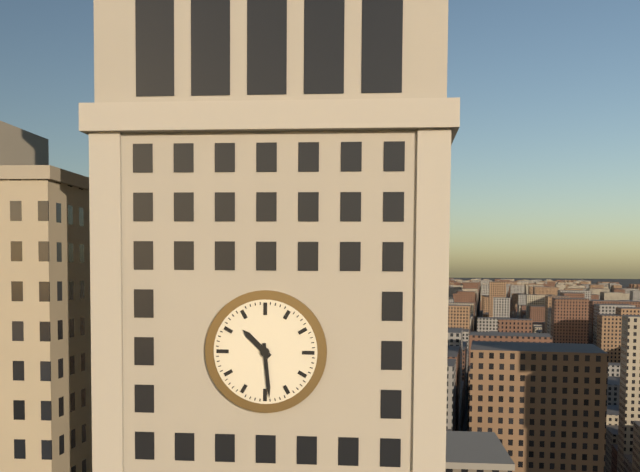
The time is {"hour": 10, "minute": 29}
